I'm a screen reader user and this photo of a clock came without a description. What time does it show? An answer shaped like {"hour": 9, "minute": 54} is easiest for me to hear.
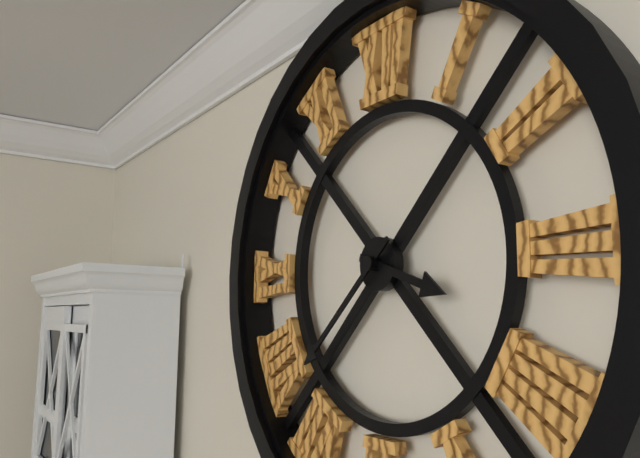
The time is {"hour": 3, "minute": 38}
